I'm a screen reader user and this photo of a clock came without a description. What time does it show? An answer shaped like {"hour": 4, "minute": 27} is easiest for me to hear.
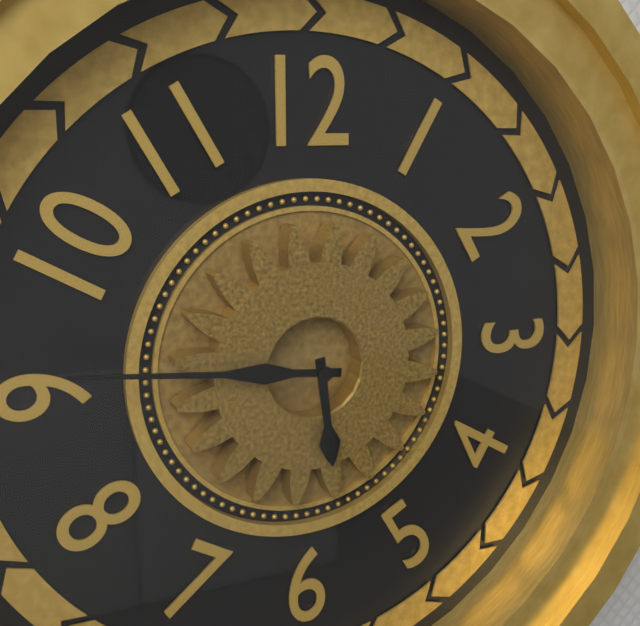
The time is {"hour": 5, "minute": 46}
